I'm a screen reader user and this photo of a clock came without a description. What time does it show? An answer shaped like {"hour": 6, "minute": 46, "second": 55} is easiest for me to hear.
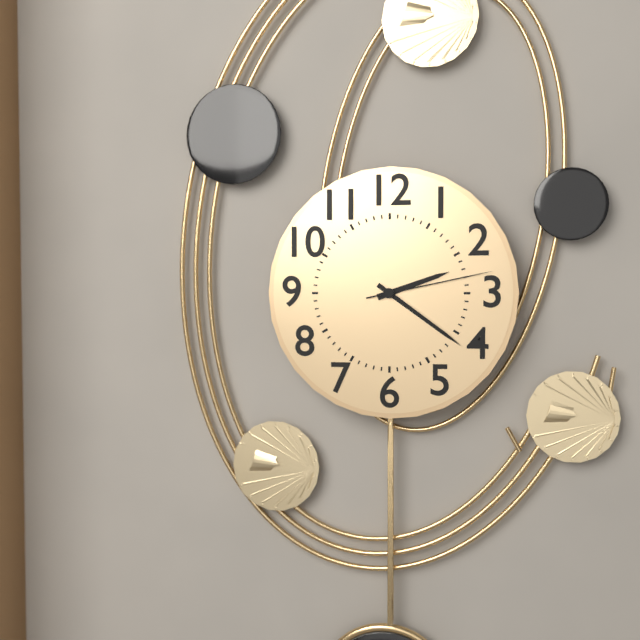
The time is {"hour": 2, "minute": 21, "second": 13}
